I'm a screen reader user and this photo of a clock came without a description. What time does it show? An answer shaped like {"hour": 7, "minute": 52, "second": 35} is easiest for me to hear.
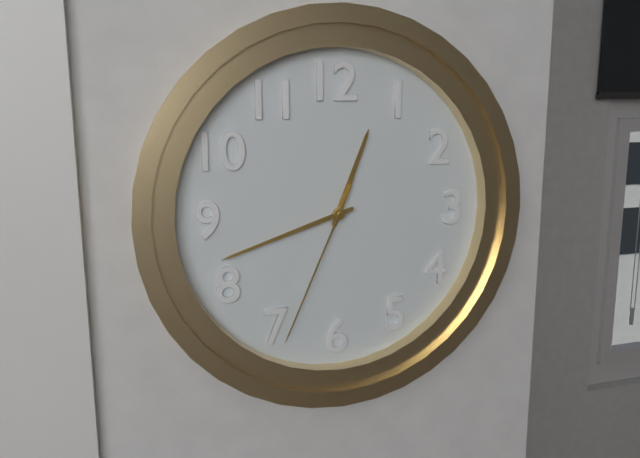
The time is {"hour": 12, "minute": 42, "second": 34}
